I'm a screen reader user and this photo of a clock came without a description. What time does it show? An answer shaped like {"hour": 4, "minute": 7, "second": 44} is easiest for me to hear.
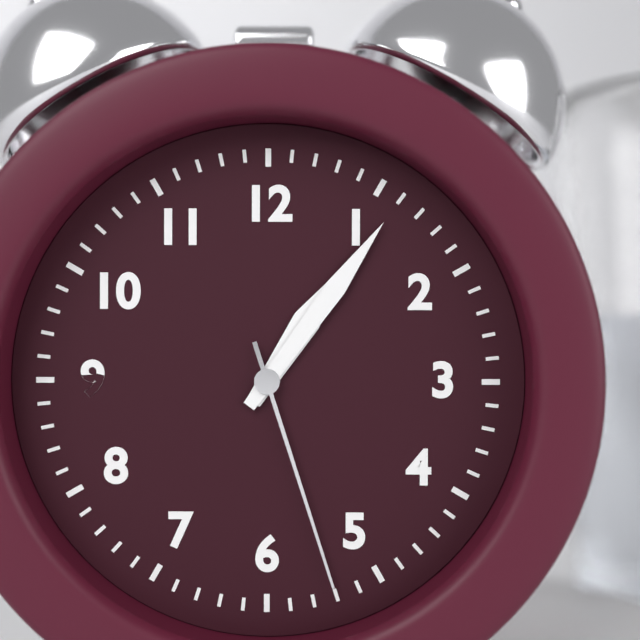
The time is {"hour": 1, "minute": 6, "second": 27}
